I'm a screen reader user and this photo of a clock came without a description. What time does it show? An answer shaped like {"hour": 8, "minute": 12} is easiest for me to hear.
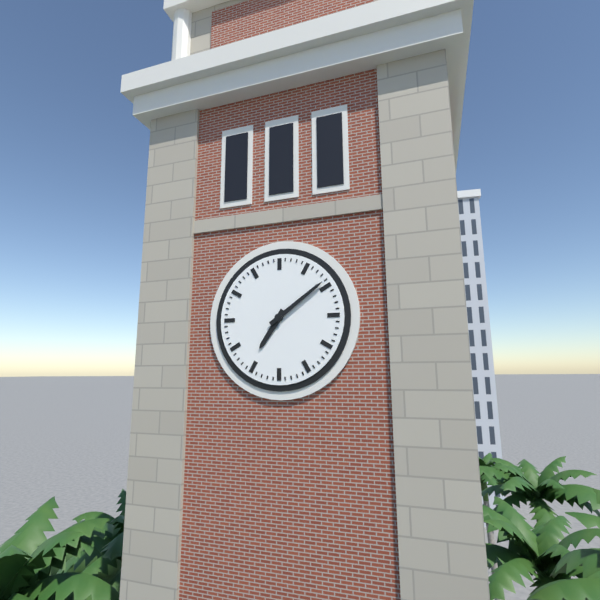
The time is {"hour": 7, "minute": 9}
